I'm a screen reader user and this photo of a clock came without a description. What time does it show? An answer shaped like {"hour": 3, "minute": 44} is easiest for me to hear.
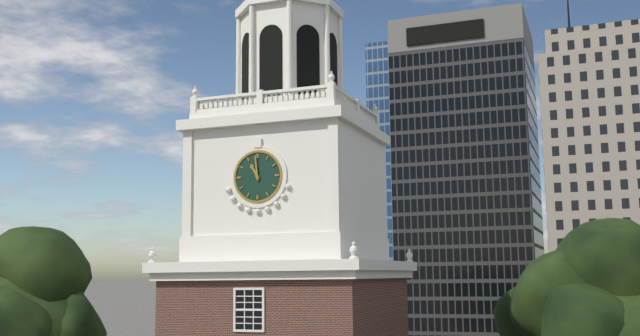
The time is {"hour": 10, "minute": 59}
